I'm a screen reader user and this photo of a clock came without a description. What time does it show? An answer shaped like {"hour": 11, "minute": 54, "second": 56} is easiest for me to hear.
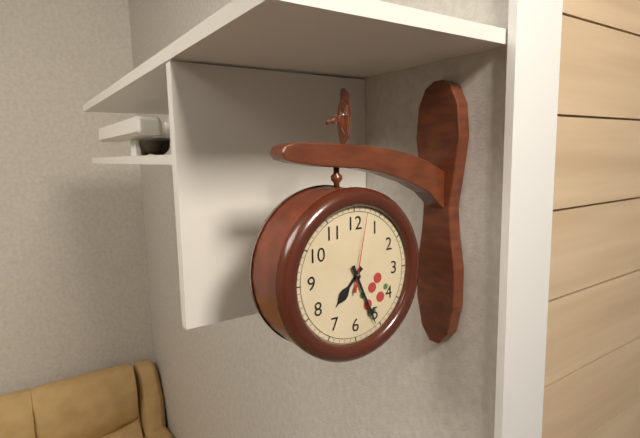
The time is {"hour": 7, "minute": 26, "second": 2}
